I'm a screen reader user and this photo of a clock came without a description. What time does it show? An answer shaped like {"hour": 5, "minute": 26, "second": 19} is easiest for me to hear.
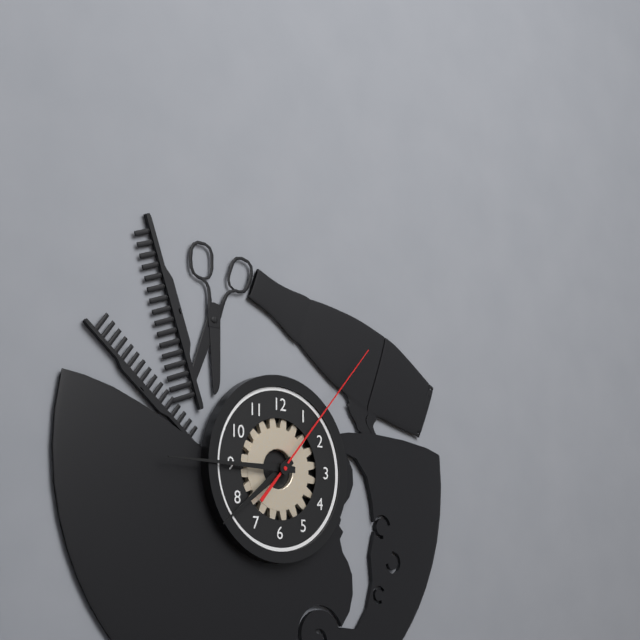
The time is {"hour": 7, "minute": 45, "second": 7}
